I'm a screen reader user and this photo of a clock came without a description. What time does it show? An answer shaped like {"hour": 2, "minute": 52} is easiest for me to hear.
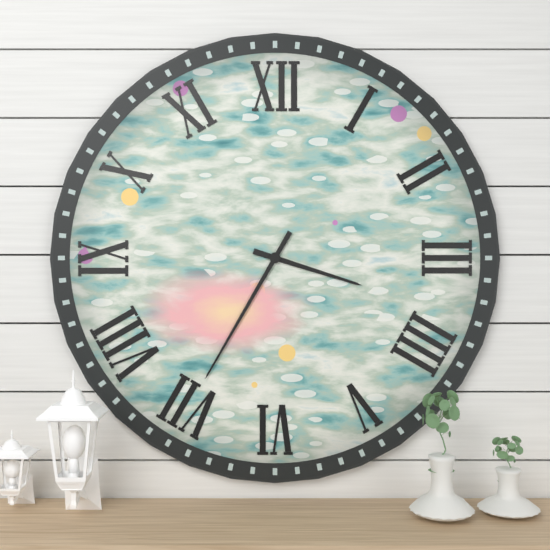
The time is {"hour": 3, "minute": 35}
